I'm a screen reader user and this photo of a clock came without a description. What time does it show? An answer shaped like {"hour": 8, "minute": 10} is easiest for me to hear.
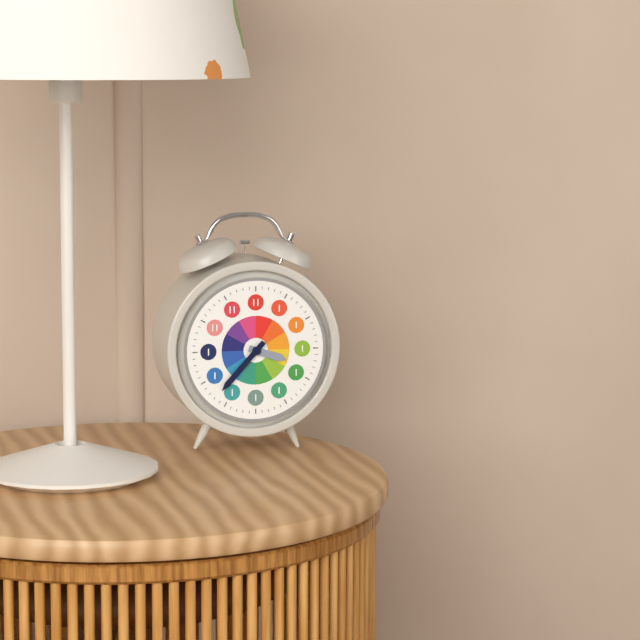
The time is {"hour": 3, "minute": 37}
